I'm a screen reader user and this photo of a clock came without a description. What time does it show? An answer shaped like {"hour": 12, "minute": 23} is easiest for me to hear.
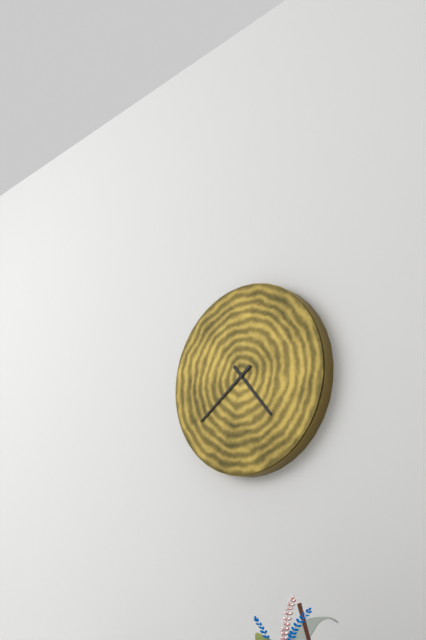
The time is {"hour": 4, "minute": 39}
